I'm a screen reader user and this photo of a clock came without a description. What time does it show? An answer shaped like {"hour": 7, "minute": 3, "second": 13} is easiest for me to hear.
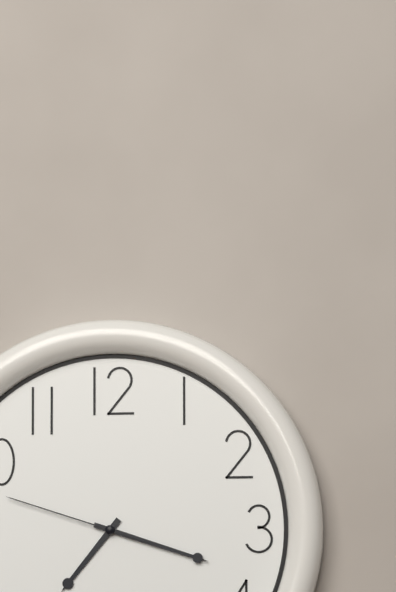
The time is {"hour": 7, "minute": 18, "second": 48}
